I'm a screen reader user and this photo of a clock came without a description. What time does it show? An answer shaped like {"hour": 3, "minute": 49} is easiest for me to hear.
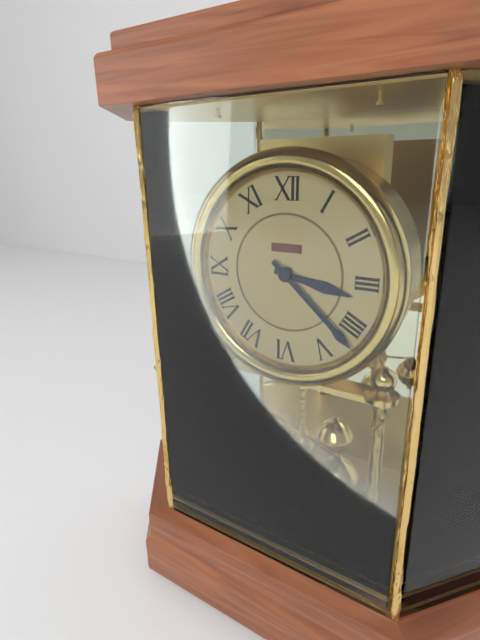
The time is {"hour": 3, "minute": 22}
